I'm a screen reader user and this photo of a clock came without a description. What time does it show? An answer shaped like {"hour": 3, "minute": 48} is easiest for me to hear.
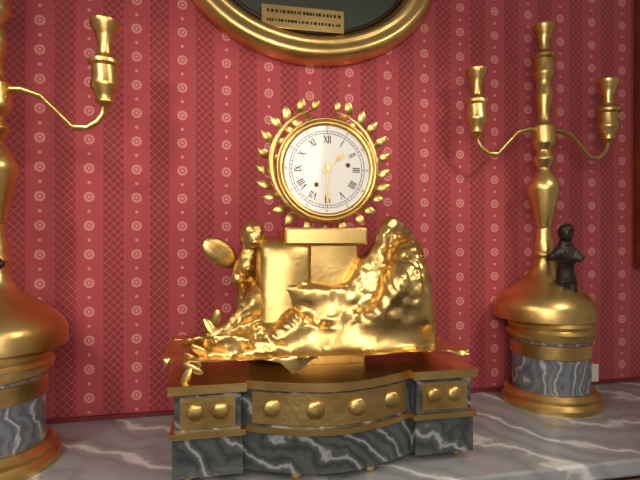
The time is {"hour": 1, "minute": 30}
